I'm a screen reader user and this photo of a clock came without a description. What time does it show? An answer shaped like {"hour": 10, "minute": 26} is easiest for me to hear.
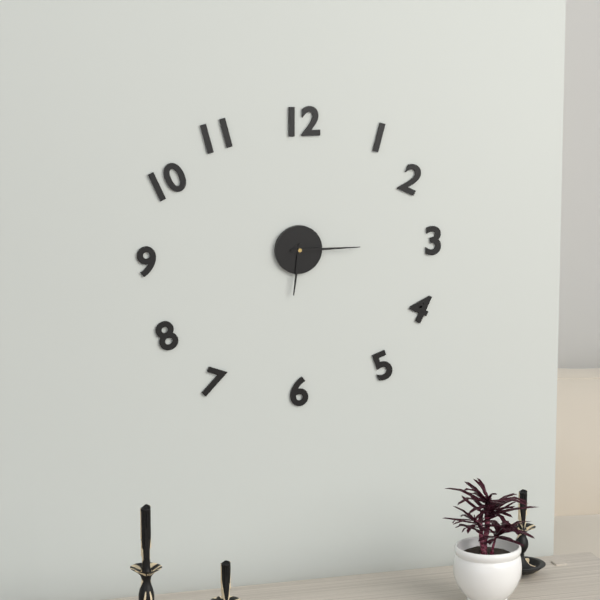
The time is {"hour": 6, "minute": 15}
